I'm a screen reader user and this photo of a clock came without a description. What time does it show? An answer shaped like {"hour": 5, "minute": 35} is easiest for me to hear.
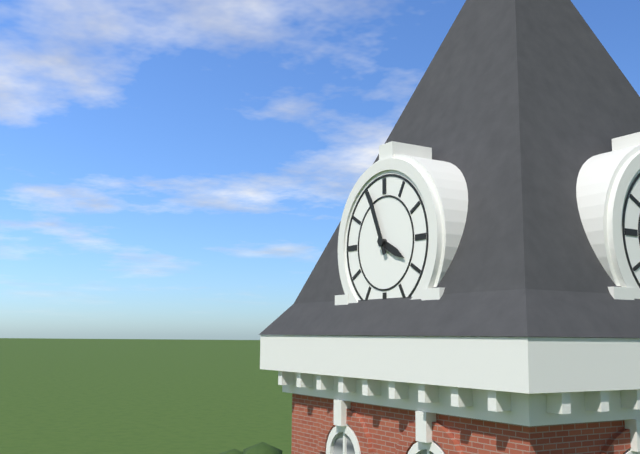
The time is {"hour": 3, "minute": 56}
